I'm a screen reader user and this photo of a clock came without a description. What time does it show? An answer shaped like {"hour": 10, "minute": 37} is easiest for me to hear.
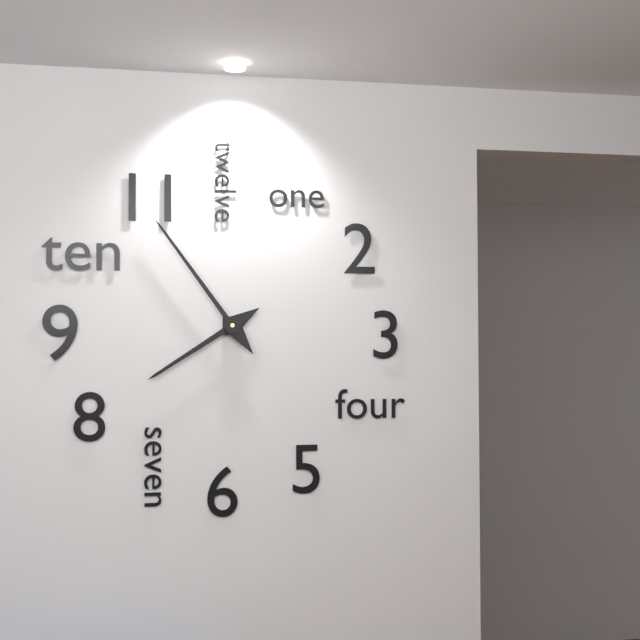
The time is {"hour": 7, "minute": 54}
